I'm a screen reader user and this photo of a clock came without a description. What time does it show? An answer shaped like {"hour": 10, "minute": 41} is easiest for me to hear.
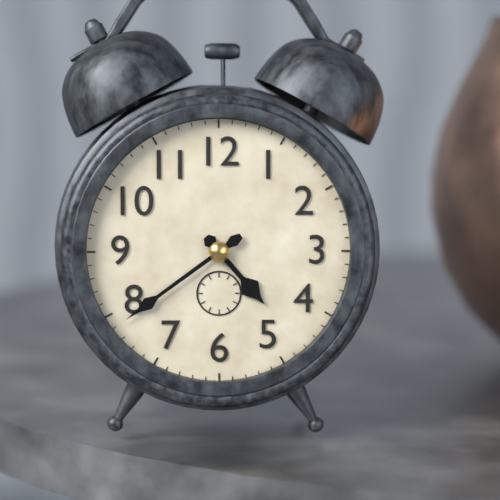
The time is {"hour": 4, "minute": 39}
